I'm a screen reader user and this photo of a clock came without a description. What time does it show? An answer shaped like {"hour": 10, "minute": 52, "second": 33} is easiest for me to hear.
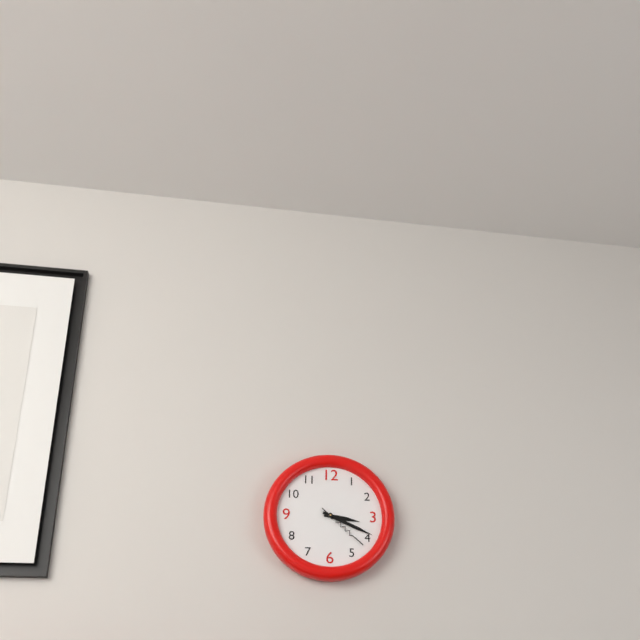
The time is {"hour": 3, "minute": 19, "second": 22}
